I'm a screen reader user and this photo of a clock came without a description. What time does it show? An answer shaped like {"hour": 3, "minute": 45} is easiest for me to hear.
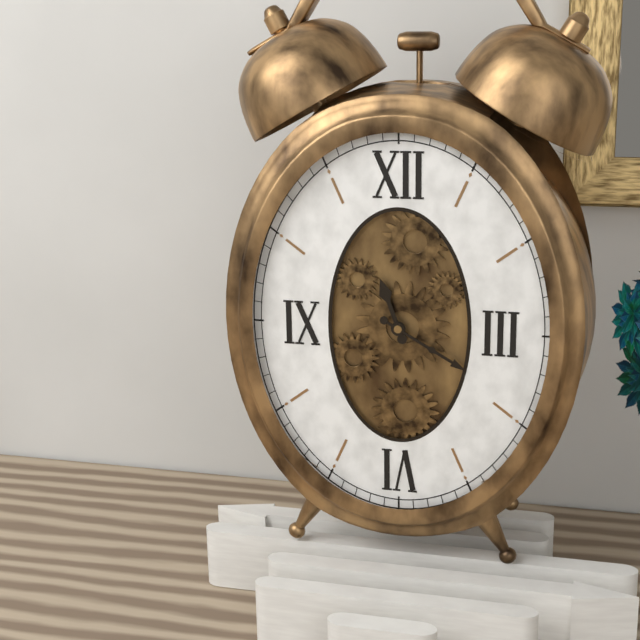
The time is {"hour": 11, "minute": 20}
